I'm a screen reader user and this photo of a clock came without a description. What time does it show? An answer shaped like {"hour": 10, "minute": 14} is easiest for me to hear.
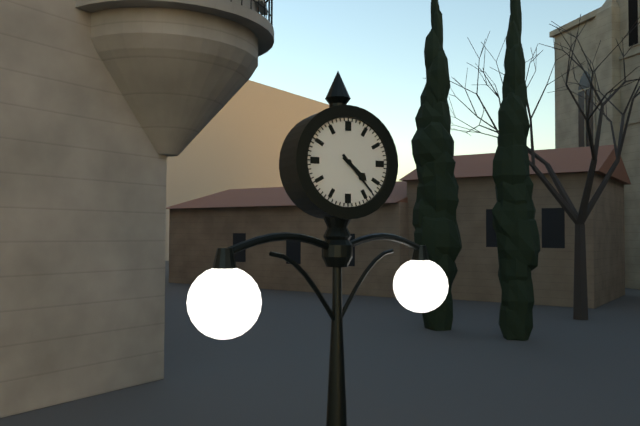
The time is {"hour": 4, "minute": 23}
